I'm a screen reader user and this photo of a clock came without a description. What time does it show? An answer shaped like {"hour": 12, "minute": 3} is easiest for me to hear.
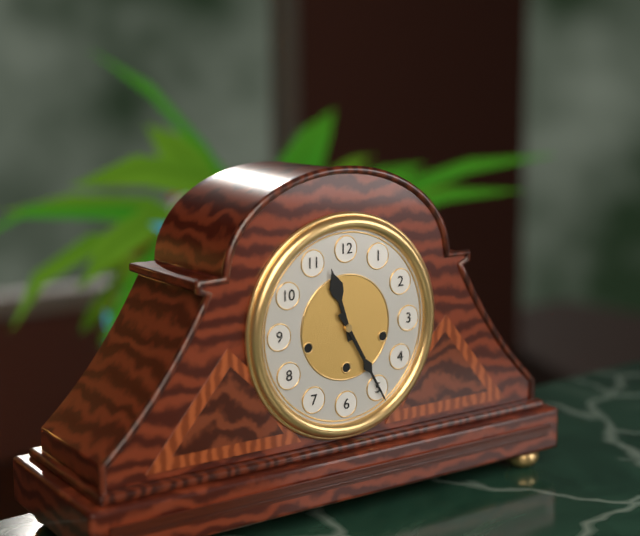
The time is {"hour": 11, "minute": 25}
